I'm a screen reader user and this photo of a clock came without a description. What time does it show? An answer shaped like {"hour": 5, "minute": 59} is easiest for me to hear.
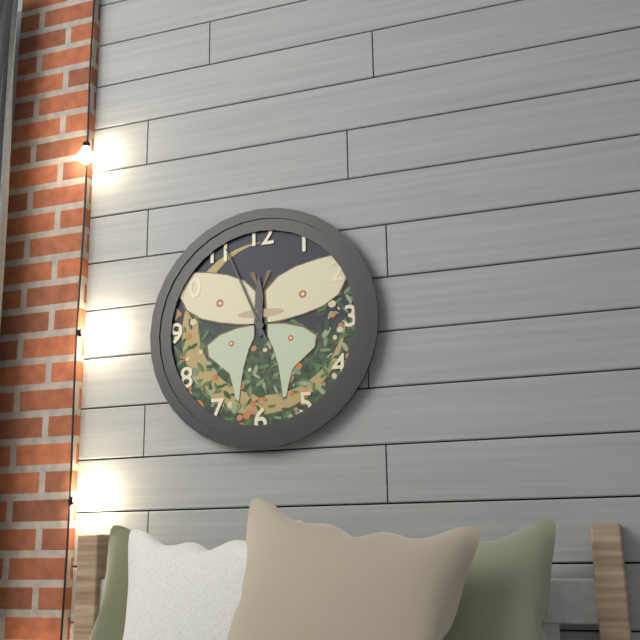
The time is {"hour": 11, "minute": 56}
